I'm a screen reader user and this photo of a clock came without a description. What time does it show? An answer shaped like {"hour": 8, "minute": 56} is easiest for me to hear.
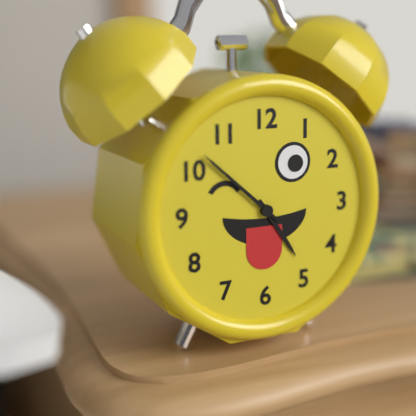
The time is {"hour": 4, "minute": 52}
